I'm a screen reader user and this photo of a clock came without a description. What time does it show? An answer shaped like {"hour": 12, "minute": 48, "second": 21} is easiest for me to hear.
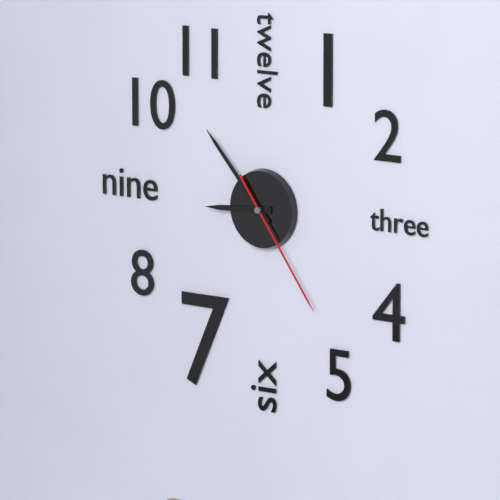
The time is {"hour": 8, "minute": 53, "second": 24}
